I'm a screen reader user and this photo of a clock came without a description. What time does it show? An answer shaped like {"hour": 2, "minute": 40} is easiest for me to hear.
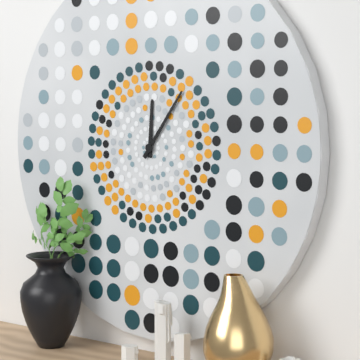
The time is {"hour": 12, "minute": 6}
